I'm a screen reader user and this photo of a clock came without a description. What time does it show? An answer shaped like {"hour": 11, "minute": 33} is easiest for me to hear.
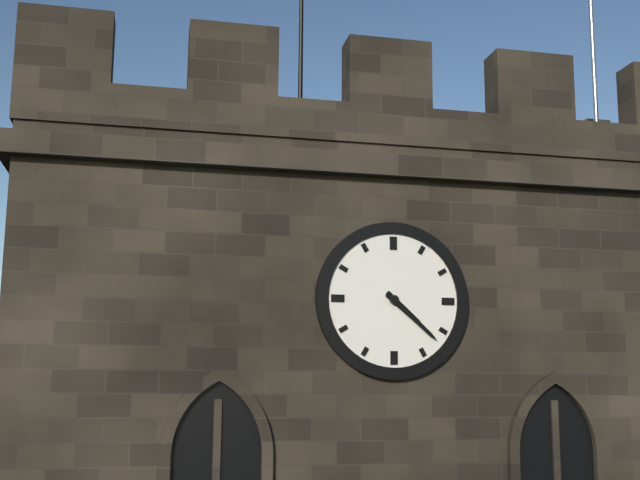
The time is {"hour": 4, "minute": 22}
